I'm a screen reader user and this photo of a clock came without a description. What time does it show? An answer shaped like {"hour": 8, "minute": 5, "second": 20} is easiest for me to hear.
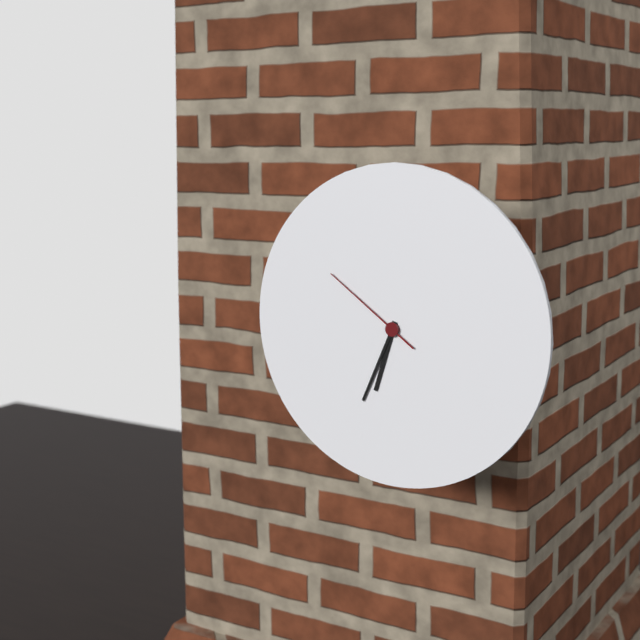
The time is {"hour": 6, "minute": 34, "second": 51}
